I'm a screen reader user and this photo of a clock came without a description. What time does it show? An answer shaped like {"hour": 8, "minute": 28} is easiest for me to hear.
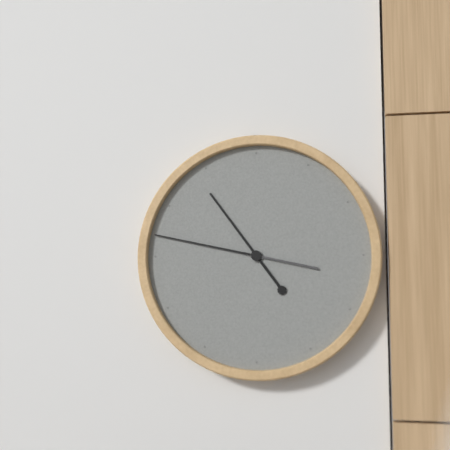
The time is {"hour": 10, "minute": 47}
